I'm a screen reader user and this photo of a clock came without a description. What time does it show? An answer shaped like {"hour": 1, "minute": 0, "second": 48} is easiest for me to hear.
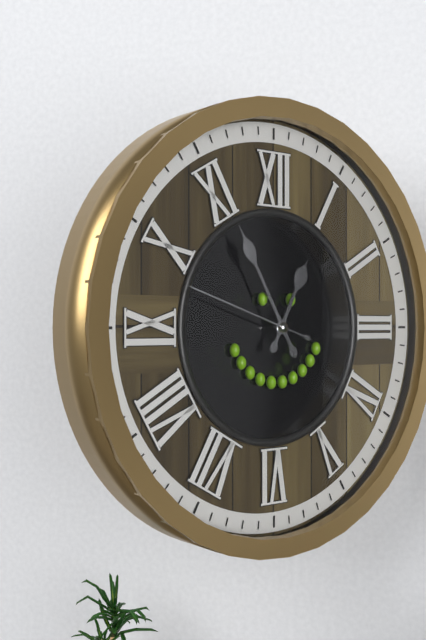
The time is {"hour": 12, "minute": 55, "second": 48}
